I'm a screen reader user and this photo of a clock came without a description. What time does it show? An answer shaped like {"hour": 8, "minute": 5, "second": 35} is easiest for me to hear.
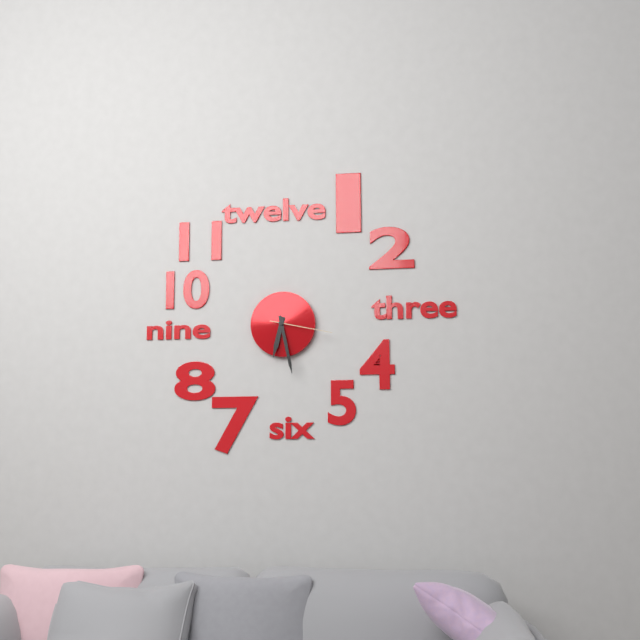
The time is {"hour": 6, "minute": 28, "second": 17}
